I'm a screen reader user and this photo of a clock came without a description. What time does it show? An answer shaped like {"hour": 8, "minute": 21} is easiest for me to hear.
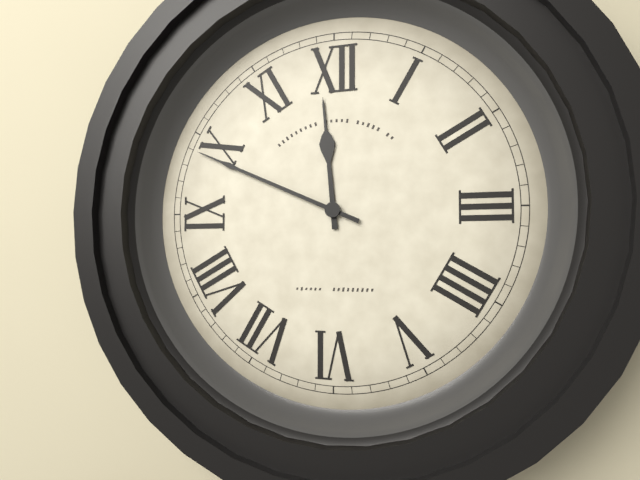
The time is {"hour": 11, "minute": 49}
